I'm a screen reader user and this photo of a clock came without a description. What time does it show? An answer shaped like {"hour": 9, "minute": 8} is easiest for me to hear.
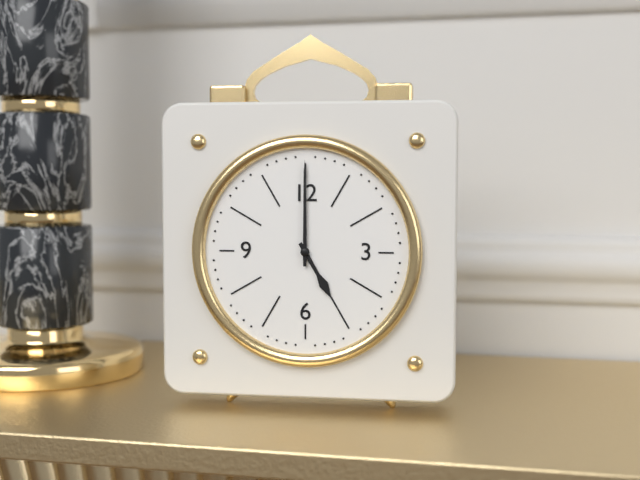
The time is {"hour": 5, "minute": 0}
